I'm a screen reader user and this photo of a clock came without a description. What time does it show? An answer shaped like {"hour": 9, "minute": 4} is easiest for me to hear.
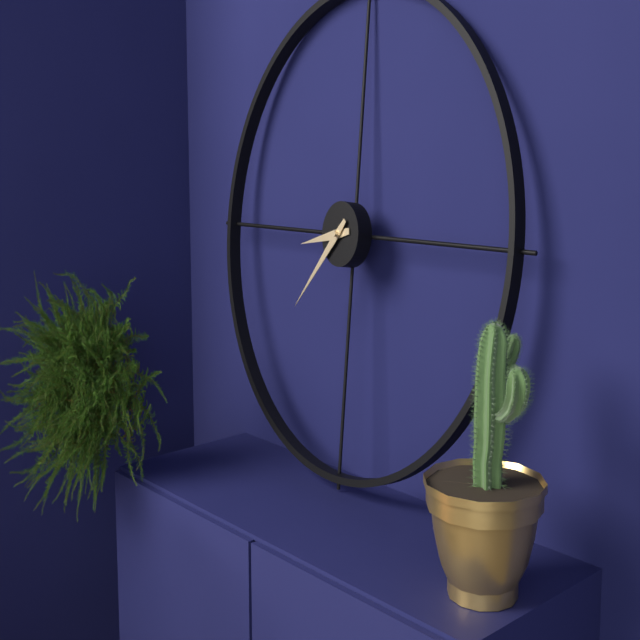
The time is {"hour": 8, "minute": 37}
